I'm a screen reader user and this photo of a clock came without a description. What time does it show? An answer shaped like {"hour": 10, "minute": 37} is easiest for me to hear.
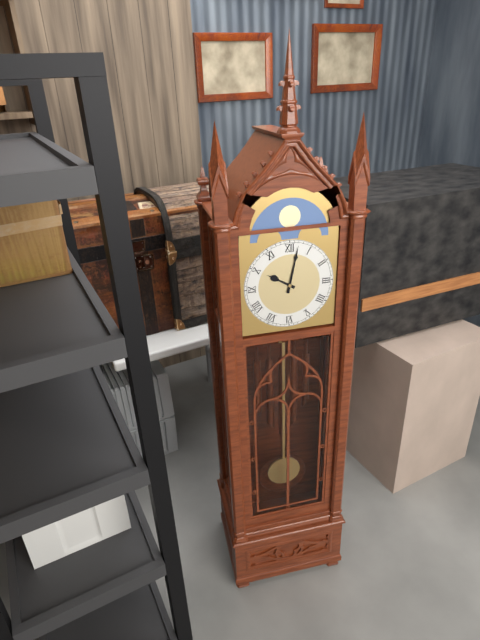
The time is {"hour": 10, "minute": 2}
